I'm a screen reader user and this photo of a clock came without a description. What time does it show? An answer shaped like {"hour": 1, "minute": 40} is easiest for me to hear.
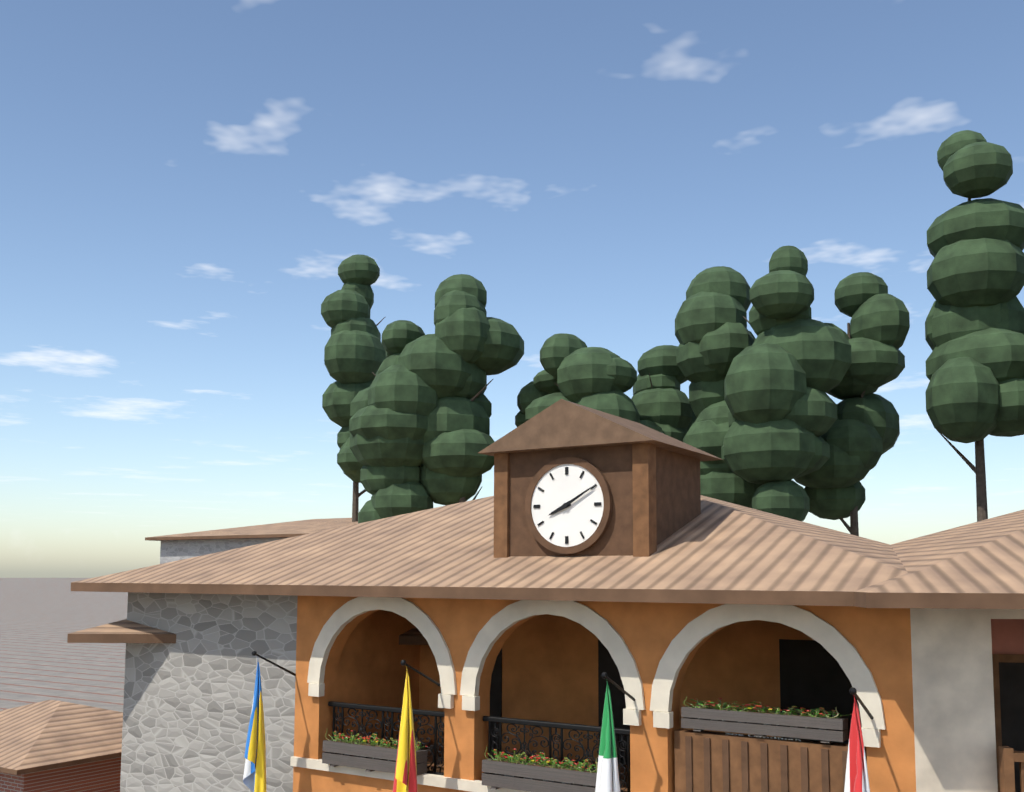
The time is {"hour": 8, "minute": 10}
